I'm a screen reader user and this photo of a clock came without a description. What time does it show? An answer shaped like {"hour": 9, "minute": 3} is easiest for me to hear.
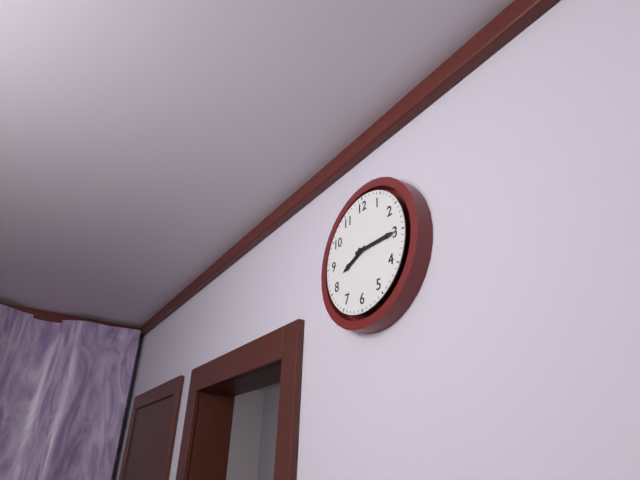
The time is {"hour": 8, "minute": 15}
